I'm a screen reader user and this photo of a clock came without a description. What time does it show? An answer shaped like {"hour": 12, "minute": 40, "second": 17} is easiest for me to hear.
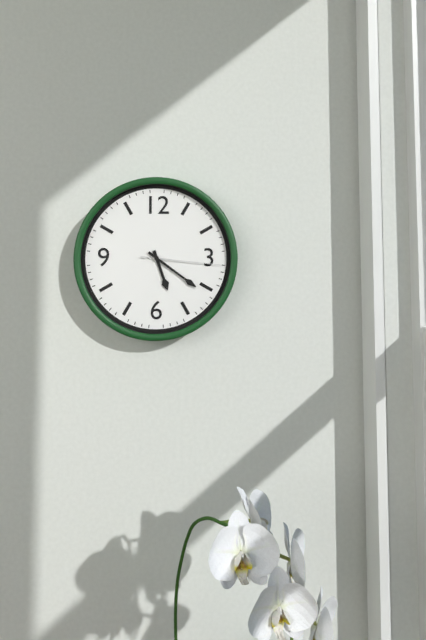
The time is {"hour": 5, "minute": 21, "second": 16}
